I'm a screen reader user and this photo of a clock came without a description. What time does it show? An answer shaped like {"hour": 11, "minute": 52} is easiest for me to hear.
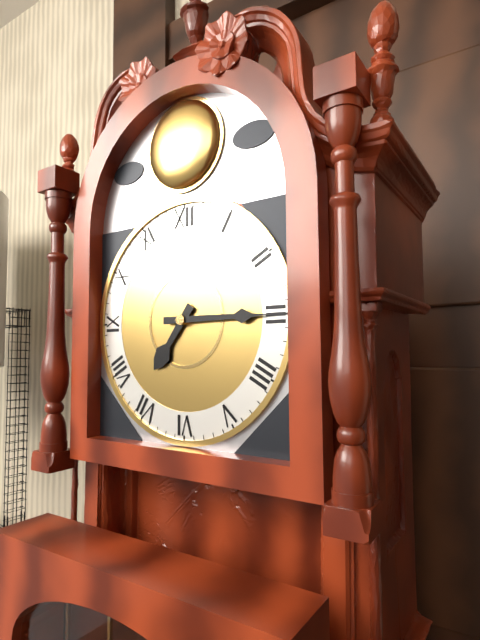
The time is {"hour": 7, "minute": 15}
